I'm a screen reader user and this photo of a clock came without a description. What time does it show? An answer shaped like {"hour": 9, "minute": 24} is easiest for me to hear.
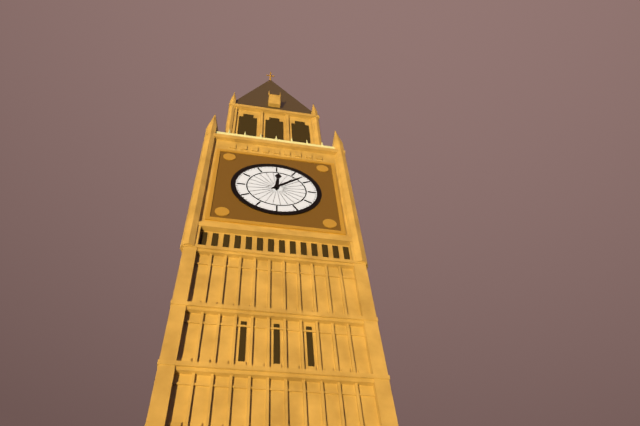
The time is {"hour": 12, "minute": 8}
